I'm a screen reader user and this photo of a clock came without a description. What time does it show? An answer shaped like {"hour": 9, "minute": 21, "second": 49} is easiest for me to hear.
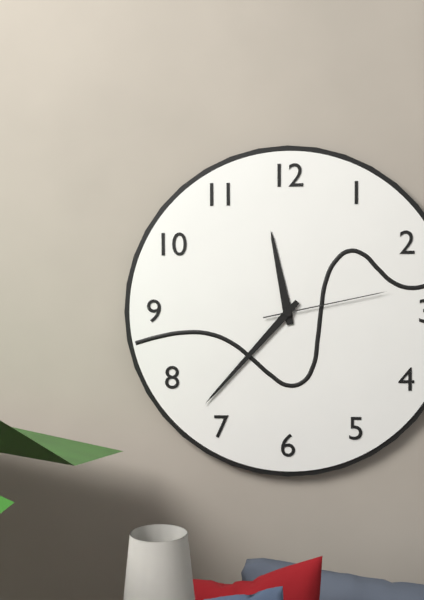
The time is {"hour": 11, "minute": 37, "second": 13}
